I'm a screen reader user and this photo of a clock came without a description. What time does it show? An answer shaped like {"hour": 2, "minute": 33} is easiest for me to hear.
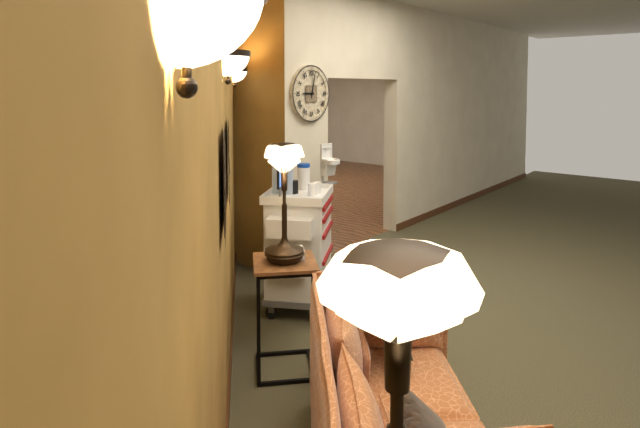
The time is {"hour": 9, "minute": 2}
